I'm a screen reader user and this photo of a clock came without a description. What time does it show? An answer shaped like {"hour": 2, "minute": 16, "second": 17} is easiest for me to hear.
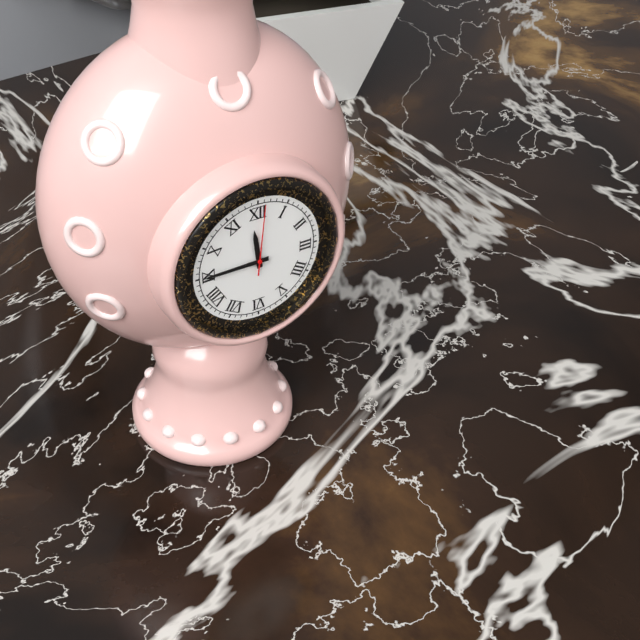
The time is {"hour": 11, "minute": 45, "second": 1}
